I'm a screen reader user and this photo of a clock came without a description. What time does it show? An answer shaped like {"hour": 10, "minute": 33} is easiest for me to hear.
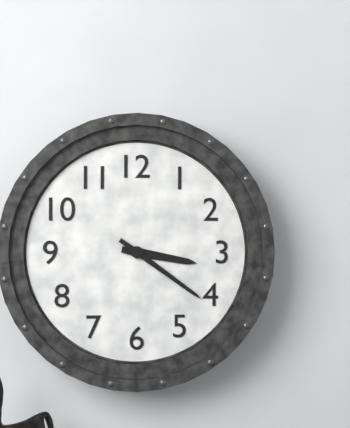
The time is {"hour": 3, "minute": 21}
